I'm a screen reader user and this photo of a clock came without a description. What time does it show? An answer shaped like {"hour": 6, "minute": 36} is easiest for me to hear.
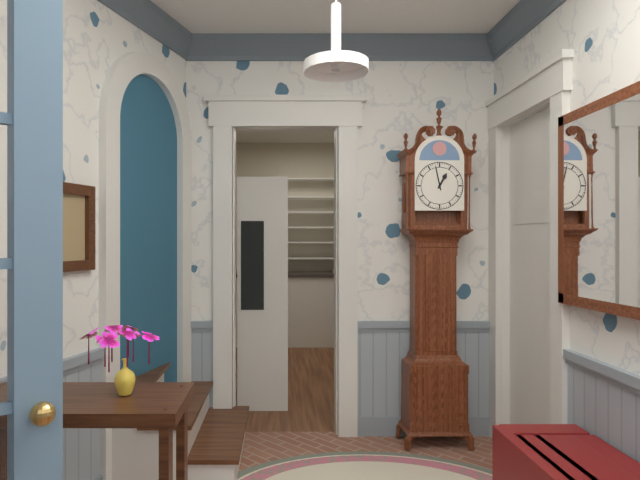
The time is {"hour": 12, "minute": 58}
